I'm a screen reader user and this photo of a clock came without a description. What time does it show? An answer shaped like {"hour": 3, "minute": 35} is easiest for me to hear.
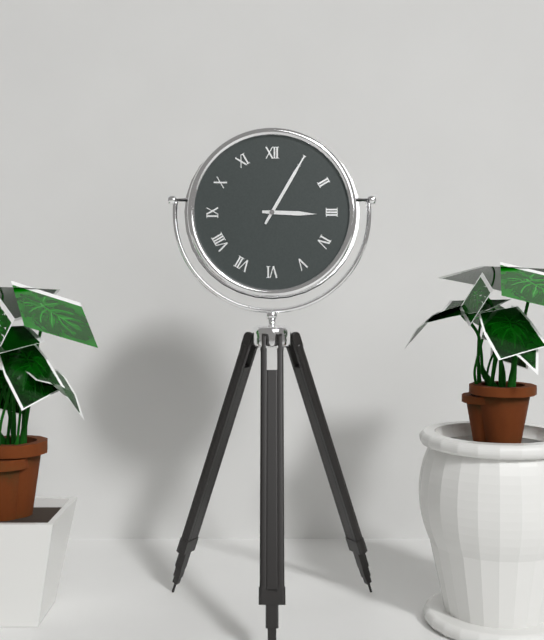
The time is {"hour": 3, "minute": 5}
